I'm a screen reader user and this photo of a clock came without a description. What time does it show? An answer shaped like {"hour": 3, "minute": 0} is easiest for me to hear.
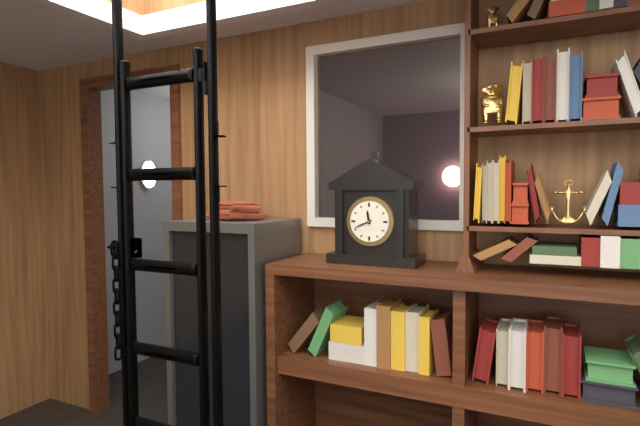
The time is {"hour": 11, "minute": 41}
